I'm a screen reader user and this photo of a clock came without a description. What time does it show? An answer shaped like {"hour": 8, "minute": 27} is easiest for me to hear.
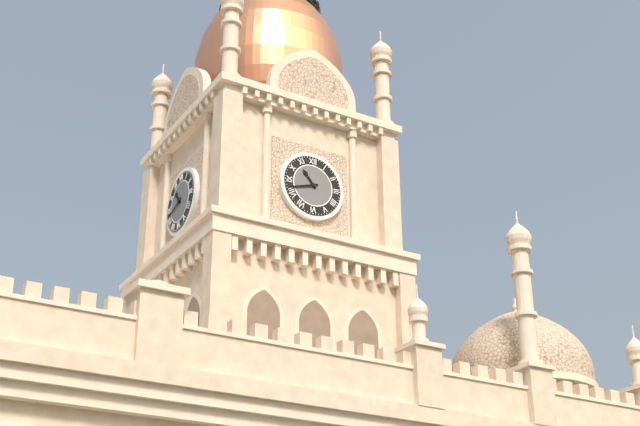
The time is {"hour": 10, "minute": 42}
